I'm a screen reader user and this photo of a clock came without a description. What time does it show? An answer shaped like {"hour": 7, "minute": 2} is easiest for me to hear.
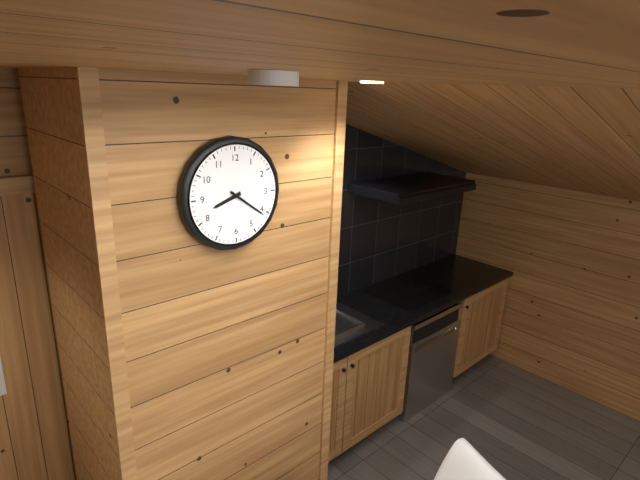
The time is {"hour": 8, "minute": 21}
